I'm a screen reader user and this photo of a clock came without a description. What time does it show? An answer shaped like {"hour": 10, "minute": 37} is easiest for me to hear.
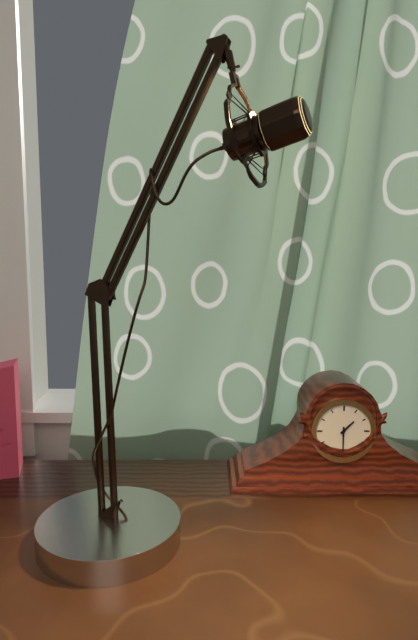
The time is {"hour": 1, "minute": 30}
